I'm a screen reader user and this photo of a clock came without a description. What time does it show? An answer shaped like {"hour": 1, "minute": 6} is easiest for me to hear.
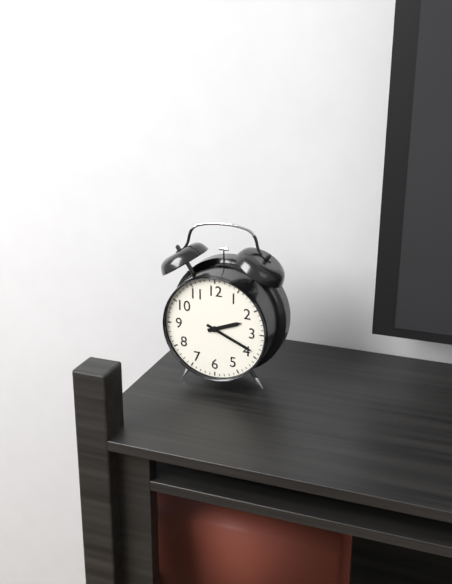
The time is {"hour": 2, "minute": 19}
